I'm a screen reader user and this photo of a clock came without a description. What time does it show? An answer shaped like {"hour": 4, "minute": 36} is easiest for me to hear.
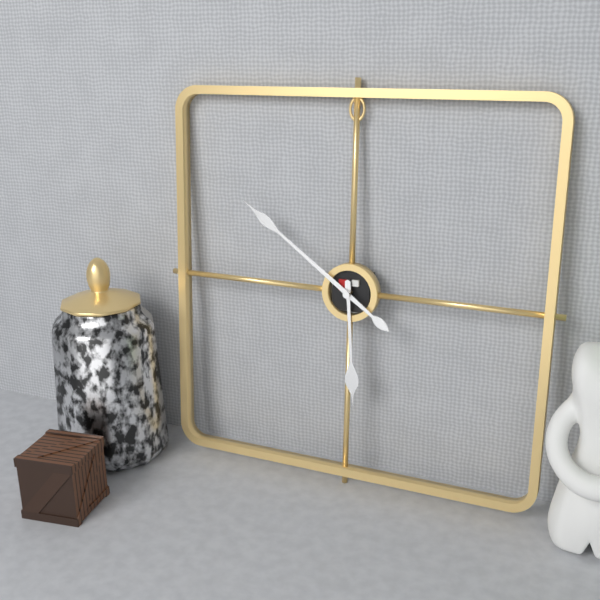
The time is {"hour": 5, "minute": 51}
